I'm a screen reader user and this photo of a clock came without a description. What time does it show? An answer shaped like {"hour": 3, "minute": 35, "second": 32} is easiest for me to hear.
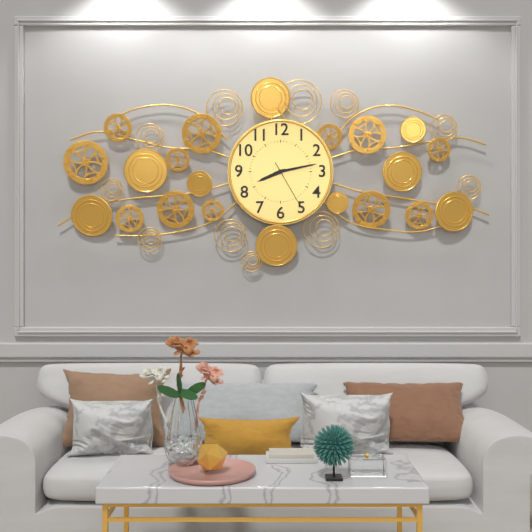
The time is {"hour": 8, "minute": 13, "second": 25}
